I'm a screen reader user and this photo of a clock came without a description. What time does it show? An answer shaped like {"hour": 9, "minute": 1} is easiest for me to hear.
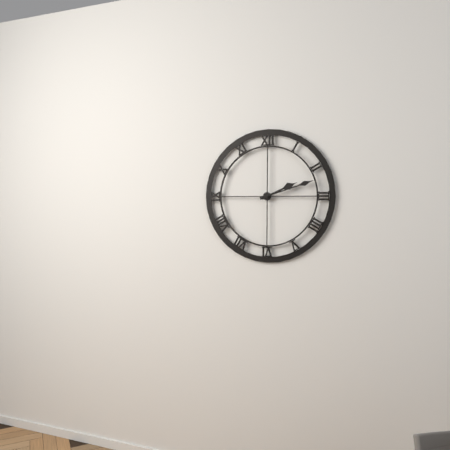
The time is {"hour": 2, "minute": 12}
